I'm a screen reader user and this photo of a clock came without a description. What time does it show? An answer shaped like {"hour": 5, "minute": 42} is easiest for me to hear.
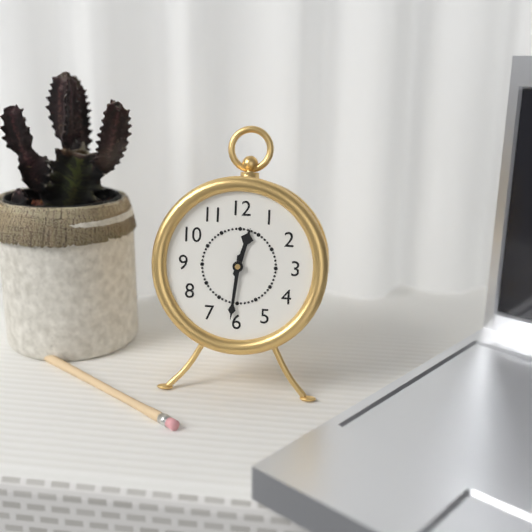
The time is {"hour": 12, "minute": 31}
